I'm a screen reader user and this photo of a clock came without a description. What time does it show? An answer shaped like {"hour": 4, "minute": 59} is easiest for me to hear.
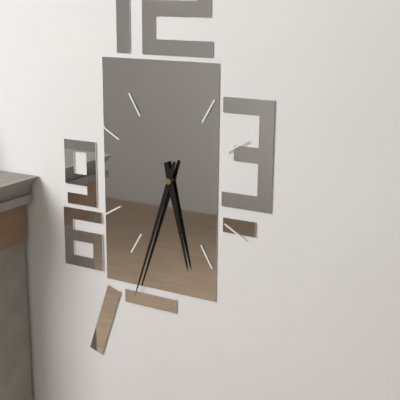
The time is {"hour": 5, "minute": 33}
